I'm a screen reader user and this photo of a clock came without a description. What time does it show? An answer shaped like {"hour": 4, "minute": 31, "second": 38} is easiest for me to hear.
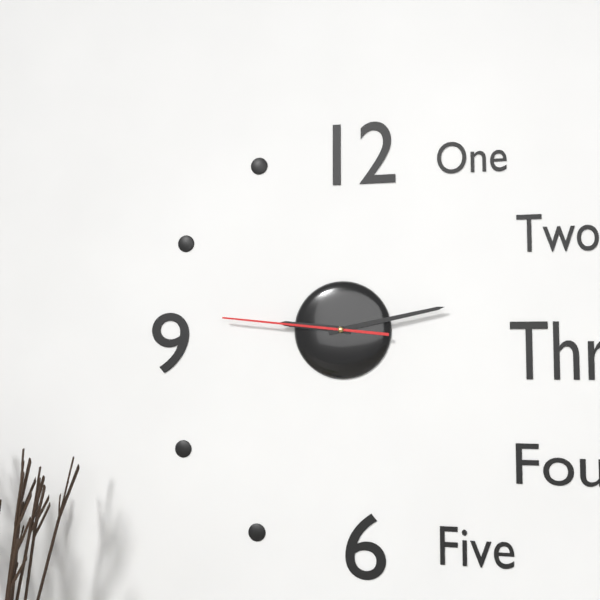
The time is {"hour": 9, "minute": 13, "second": 46}
